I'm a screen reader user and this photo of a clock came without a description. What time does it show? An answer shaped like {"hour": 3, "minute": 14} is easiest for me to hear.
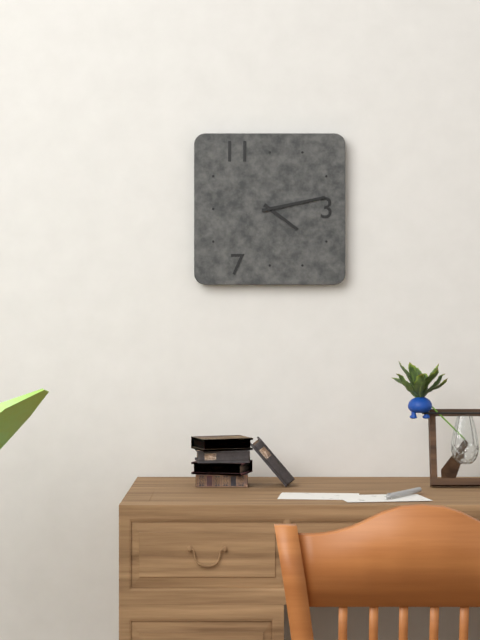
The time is {"hour": 4, "minute": 13}
